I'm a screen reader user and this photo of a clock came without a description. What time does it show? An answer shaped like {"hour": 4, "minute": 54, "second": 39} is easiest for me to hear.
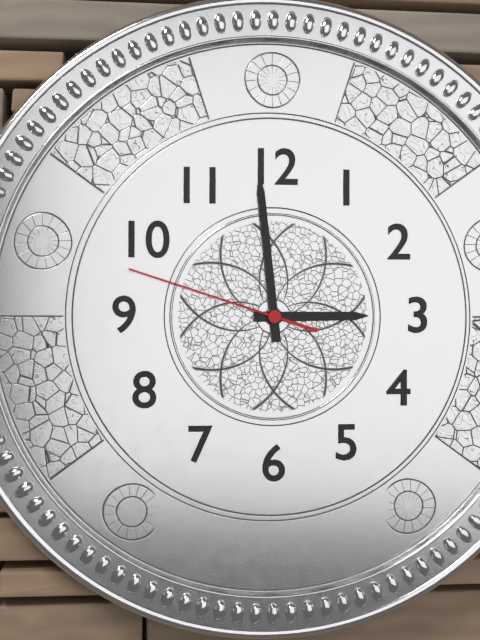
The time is {"hour": 2, "minute": 59, "second": 48}
